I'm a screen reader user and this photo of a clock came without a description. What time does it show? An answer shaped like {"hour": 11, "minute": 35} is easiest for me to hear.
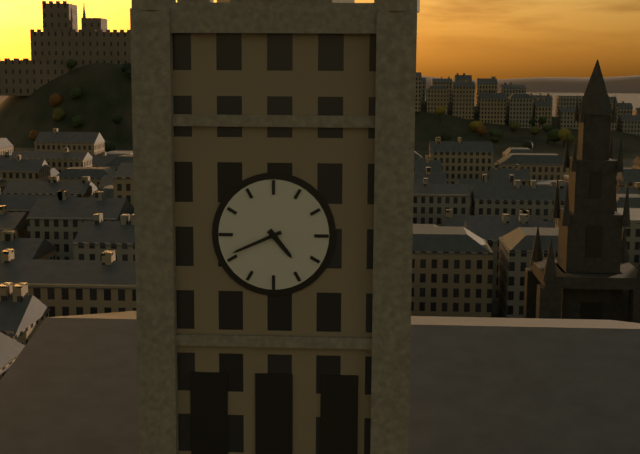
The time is {"hour": 4, "minute": 41}
